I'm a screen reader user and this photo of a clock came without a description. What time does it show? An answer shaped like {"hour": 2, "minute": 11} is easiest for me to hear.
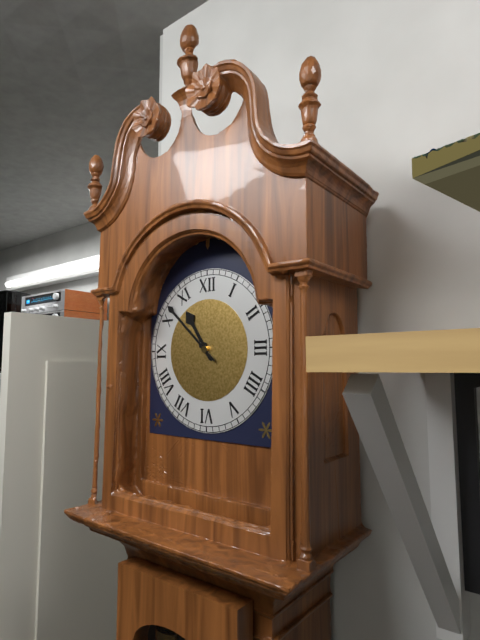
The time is {"hour": 10, "minute": 52}
